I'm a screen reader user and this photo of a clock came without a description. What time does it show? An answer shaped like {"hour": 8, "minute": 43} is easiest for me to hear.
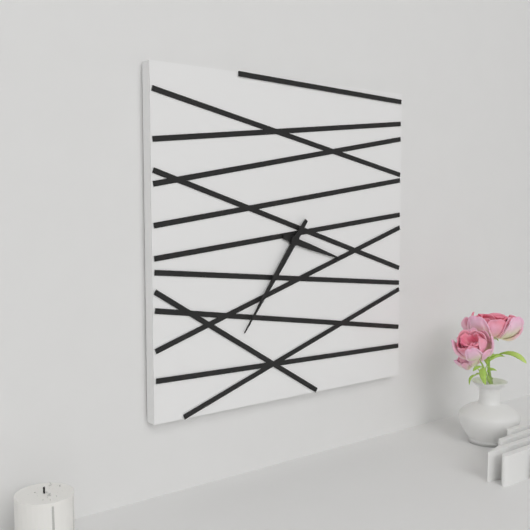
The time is {"hour": 3, "minute": 36}
